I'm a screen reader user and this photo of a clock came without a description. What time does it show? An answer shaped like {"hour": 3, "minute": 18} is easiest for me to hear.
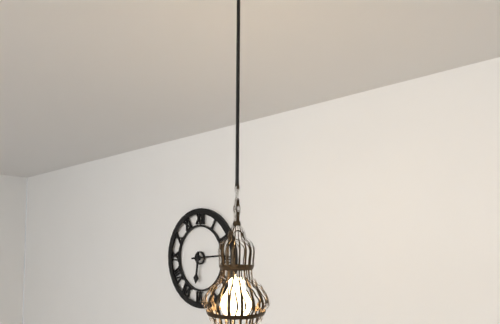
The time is {"hour": 6, "minute": 14}
